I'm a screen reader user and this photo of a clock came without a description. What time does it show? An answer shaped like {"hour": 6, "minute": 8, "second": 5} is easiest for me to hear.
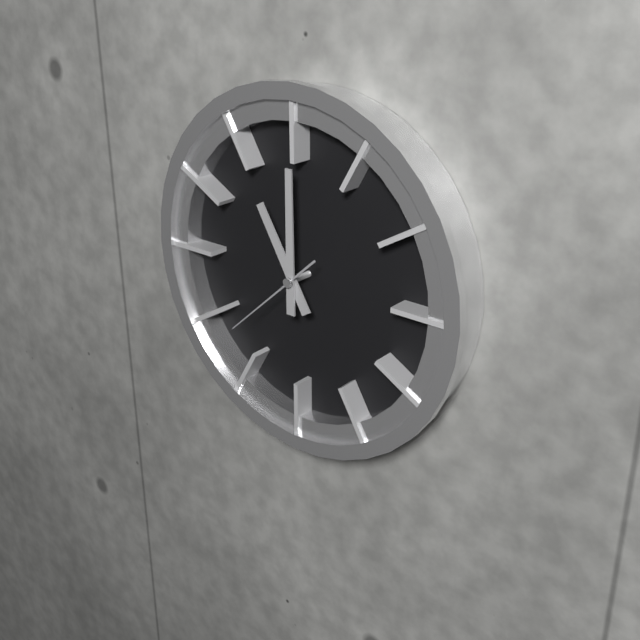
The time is {"hour": 11, "minute": 0, "second": 38}
